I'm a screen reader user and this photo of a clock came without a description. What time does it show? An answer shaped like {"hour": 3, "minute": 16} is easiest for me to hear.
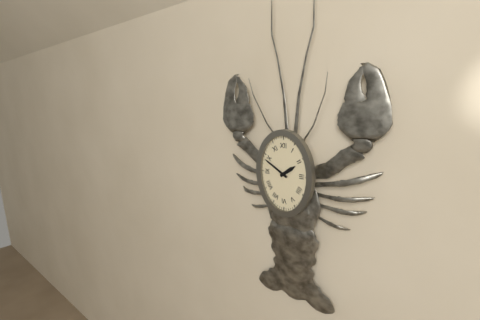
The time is {"hour": 1, "minute": 50}
